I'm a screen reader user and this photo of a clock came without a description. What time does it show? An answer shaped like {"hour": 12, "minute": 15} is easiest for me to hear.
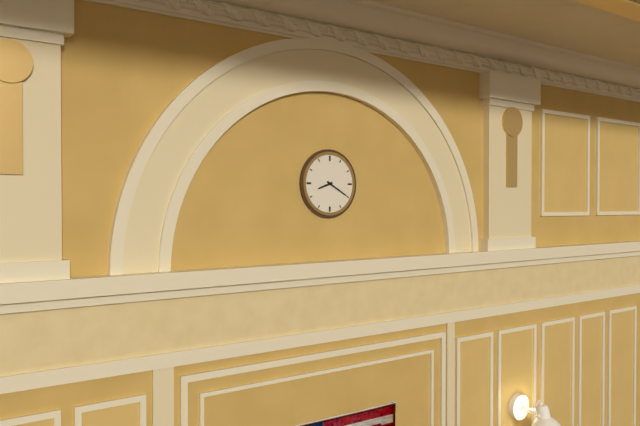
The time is {"hour": 8, "minute": 20}
